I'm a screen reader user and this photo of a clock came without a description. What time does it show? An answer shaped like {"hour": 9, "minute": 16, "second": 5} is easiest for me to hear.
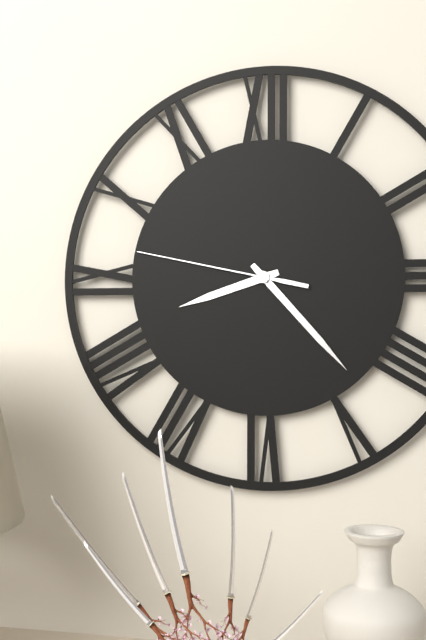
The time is {"hour": 8, "minute": 23, "second": 47}
